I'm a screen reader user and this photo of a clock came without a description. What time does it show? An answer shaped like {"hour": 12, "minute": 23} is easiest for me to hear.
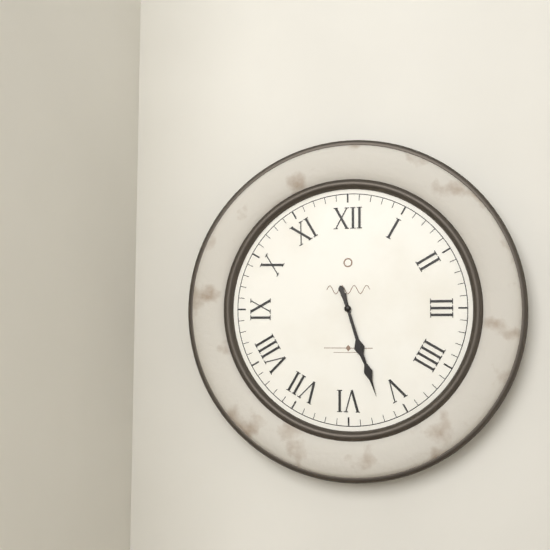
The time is {"hour": 5, "minute": 27}
